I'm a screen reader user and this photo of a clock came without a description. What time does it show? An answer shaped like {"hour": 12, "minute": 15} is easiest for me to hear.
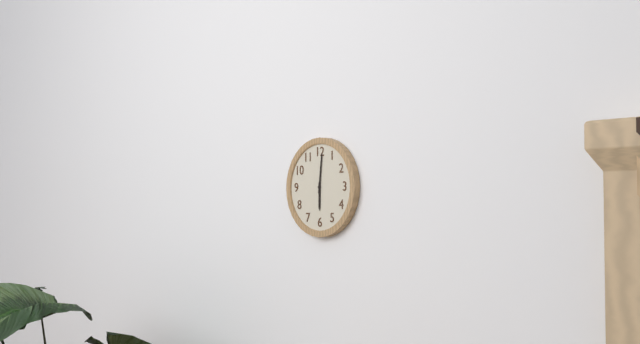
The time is {"hour": 6, "minute": 1}
